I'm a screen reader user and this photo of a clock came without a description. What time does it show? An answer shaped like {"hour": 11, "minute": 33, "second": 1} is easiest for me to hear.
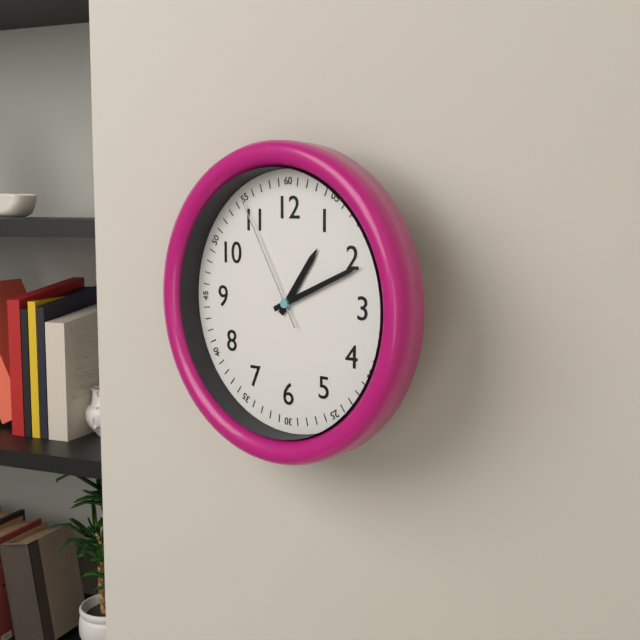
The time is {"hour": 1, "minute": 11, "second": 55}
